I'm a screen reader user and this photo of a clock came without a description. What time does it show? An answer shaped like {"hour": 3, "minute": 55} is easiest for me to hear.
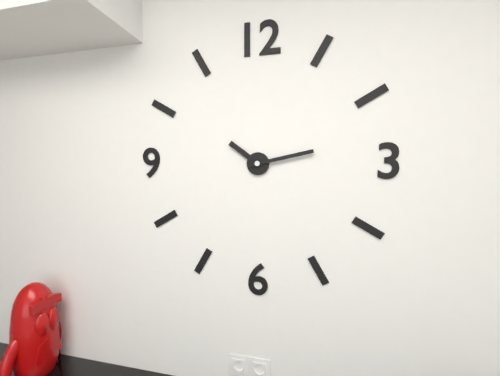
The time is {"hour": 10, "minute": 13}
